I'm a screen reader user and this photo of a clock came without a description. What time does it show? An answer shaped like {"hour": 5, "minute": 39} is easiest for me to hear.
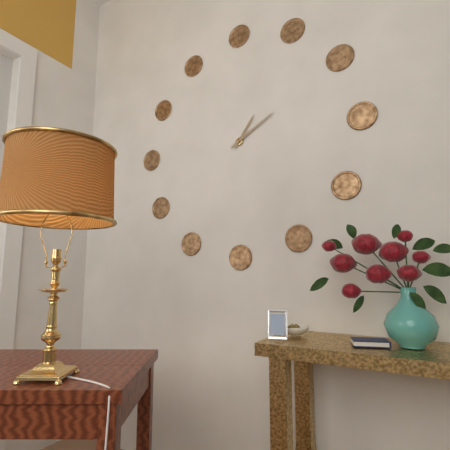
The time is {"hour": 1, "minute": 10}
